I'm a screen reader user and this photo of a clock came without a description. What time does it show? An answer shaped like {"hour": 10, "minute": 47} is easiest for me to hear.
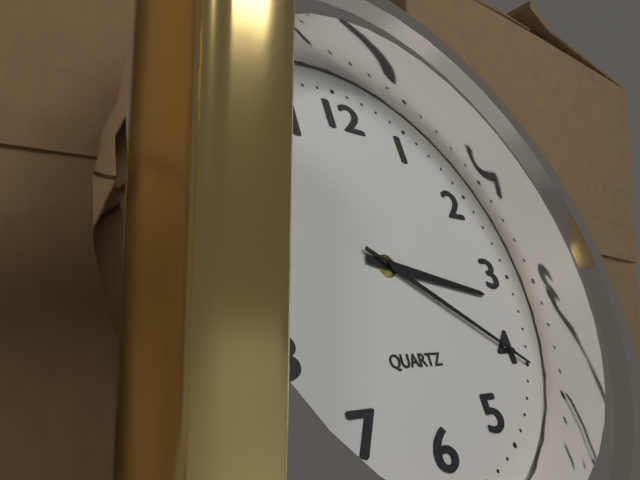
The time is {"hour": 3, "minute": 20}
